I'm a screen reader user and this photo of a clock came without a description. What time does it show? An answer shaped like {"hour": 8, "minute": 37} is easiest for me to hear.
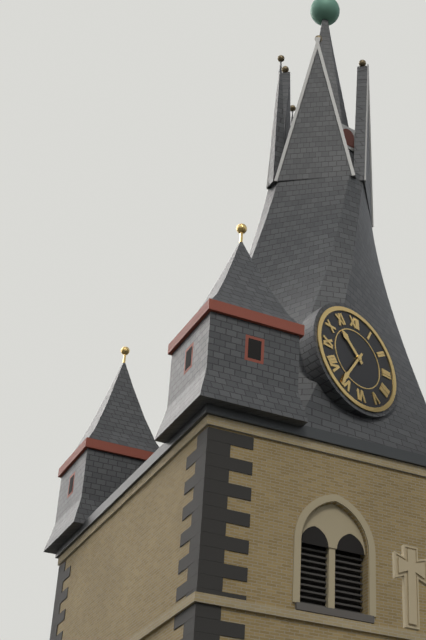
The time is {"hour": 10, "minute": 36}
